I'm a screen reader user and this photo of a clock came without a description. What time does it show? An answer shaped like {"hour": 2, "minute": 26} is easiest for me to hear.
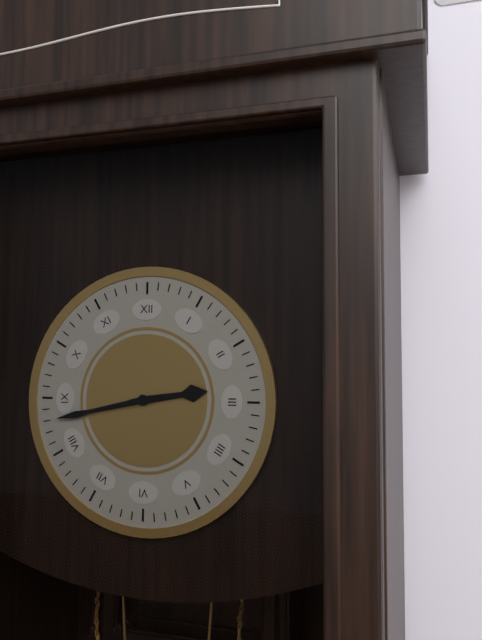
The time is {"hour": 2, "minute": 43}
